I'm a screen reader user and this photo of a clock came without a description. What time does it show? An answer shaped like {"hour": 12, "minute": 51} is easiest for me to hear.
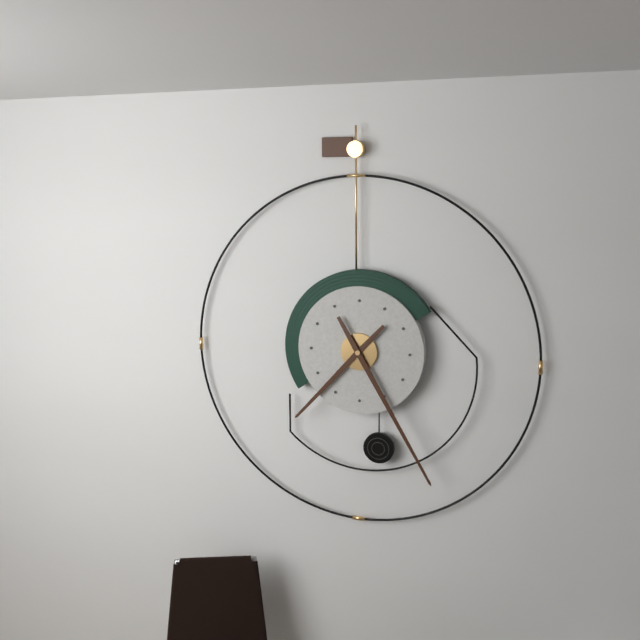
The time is {"hour": 7, "minute": 25}
